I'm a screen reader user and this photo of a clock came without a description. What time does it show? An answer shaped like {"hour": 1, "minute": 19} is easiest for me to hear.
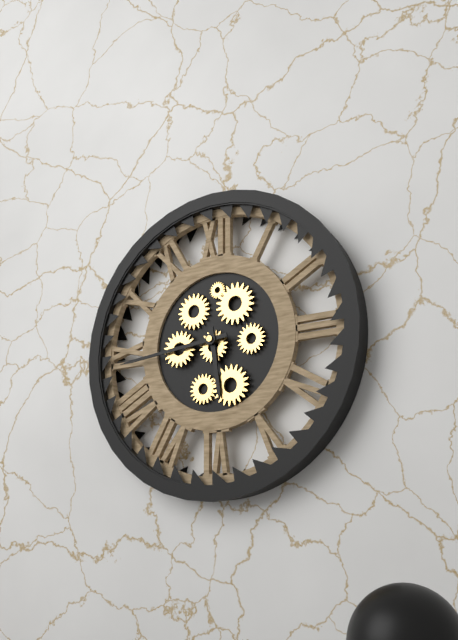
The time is {"hour": 5, "minute": 44}
